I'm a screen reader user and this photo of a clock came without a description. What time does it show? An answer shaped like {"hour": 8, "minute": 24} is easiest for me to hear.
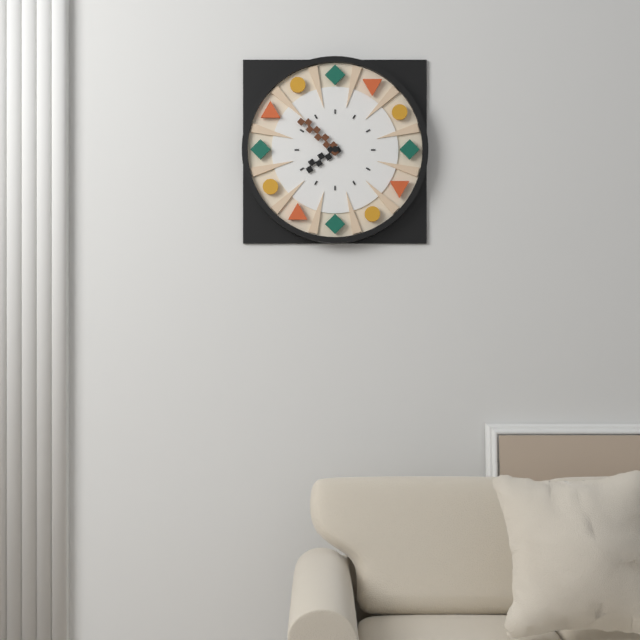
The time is {"hour": 7, "minute": 52}
